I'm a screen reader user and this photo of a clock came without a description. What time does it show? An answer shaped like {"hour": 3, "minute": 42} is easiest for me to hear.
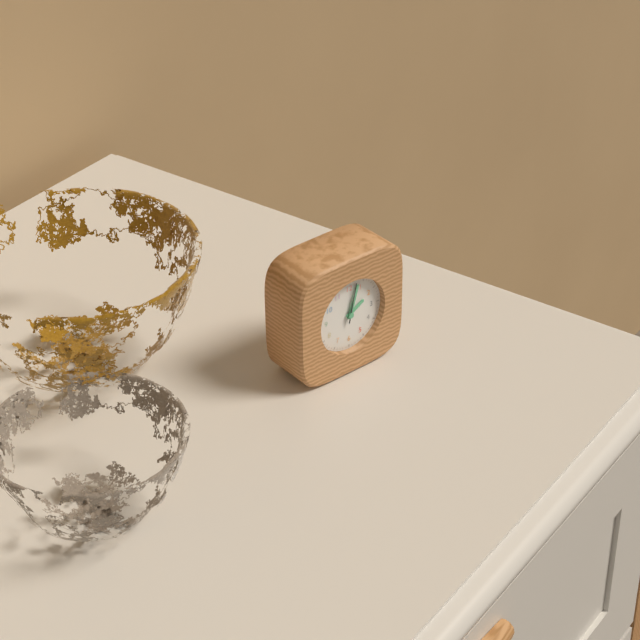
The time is {"hour": 2, "minute": 3}
